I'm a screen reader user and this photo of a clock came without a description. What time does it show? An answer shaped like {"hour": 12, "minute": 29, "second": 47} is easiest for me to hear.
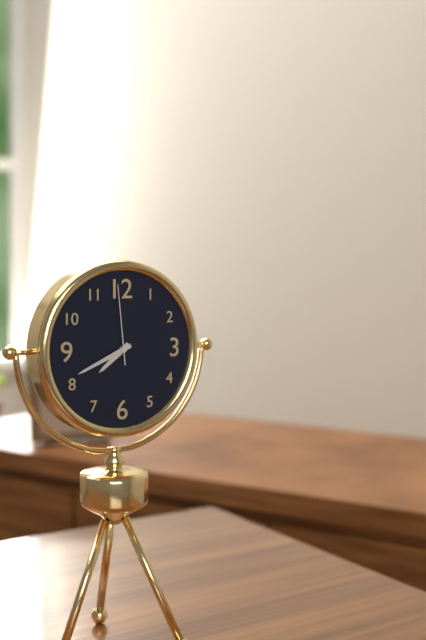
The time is {"hour": 7, "minute": 41, "second": 59}
